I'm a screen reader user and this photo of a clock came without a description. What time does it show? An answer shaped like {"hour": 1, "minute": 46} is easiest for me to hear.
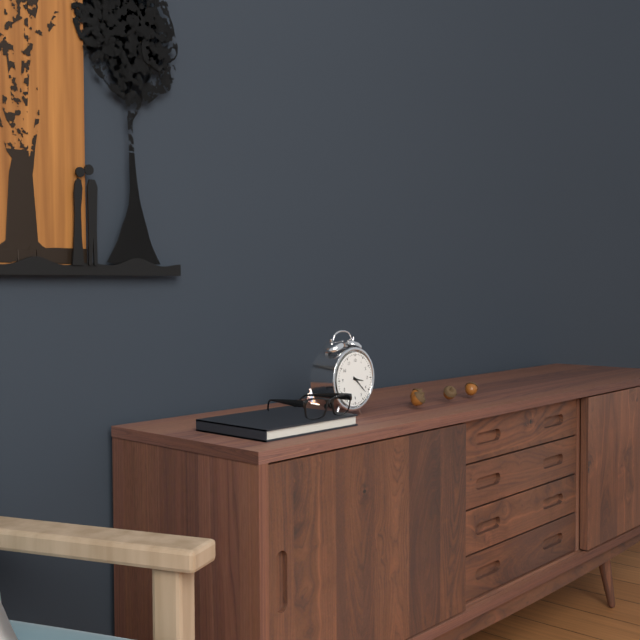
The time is {"hour": 3, "minute": 22}
